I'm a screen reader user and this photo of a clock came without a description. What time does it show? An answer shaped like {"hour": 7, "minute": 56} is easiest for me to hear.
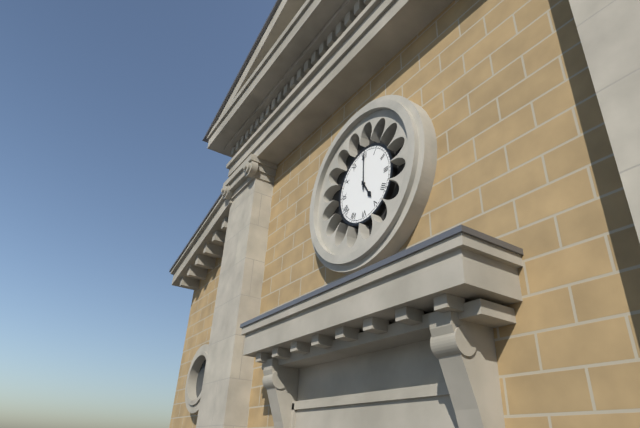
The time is {"hour": 5, "minute": 0}
